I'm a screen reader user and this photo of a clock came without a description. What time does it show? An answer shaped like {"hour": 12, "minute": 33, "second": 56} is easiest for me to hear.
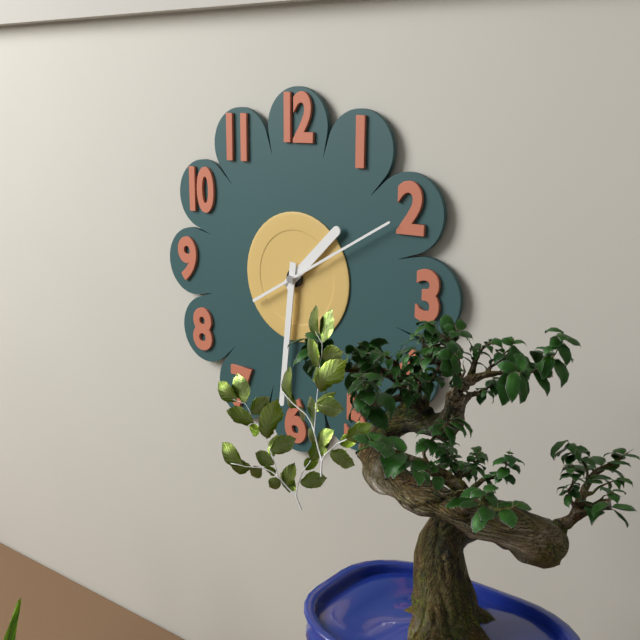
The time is {"hour": 1, "minute": 31, "second": 10}
